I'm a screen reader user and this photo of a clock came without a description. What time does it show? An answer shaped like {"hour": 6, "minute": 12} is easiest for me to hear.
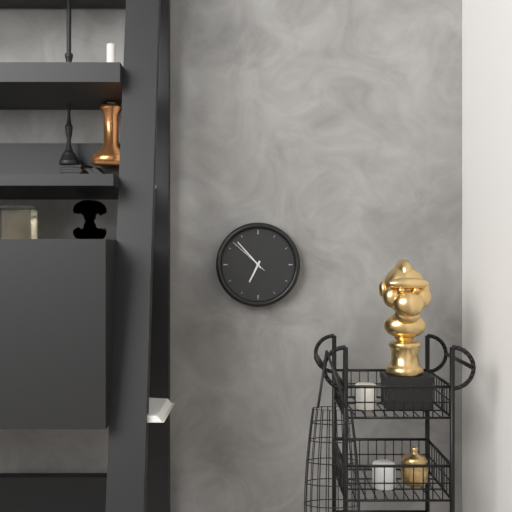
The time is {"hour": 6, "minute": 53}
